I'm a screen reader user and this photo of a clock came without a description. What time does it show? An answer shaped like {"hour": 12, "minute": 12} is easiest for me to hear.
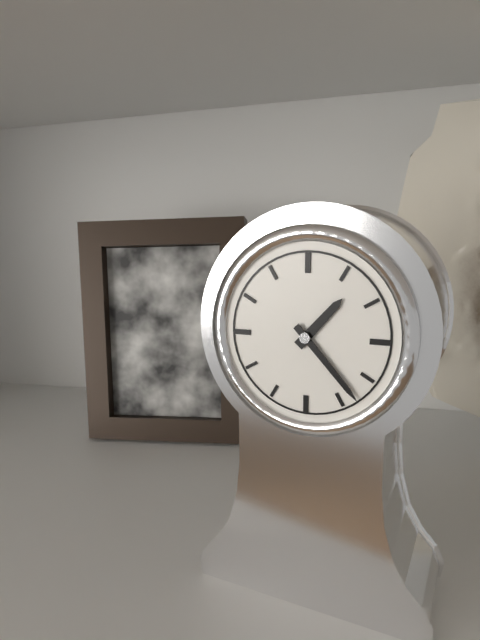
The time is {"hour": 1, "minute": 23}
